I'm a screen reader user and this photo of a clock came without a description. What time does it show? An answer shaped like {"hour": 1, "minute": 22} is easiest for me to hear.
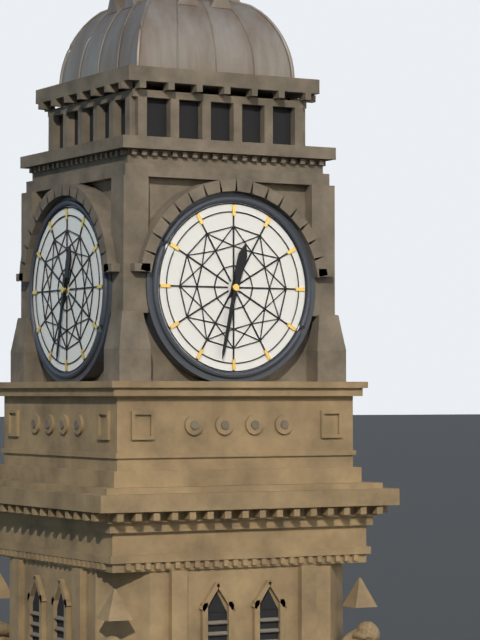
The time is {"hour": 12, "minute": 32}
